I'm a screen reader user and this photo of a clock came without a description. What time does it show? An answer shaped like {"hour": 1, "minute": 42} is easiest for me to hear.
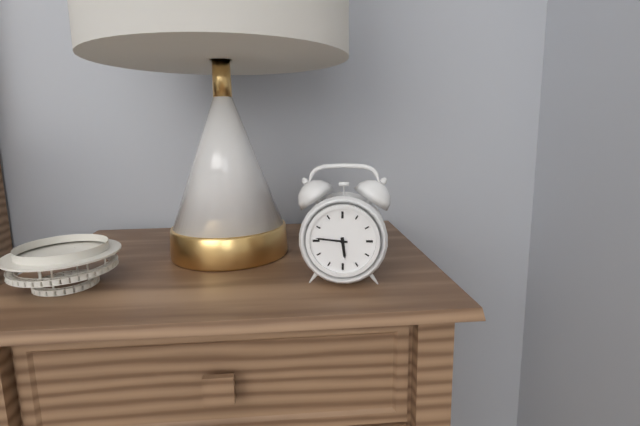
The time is {"hour": 5, "minute": 46}
